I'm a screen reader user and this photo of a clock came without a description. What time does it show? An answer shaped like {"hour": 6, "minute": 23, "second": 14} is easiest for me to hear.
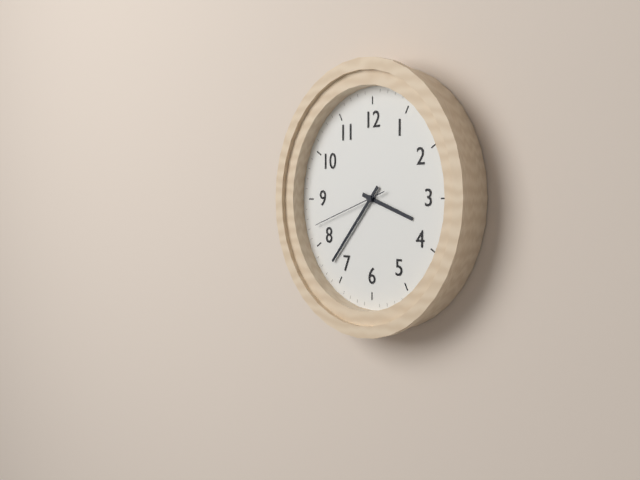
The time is {"hour": 3, "minute": 37, "second": 42}
